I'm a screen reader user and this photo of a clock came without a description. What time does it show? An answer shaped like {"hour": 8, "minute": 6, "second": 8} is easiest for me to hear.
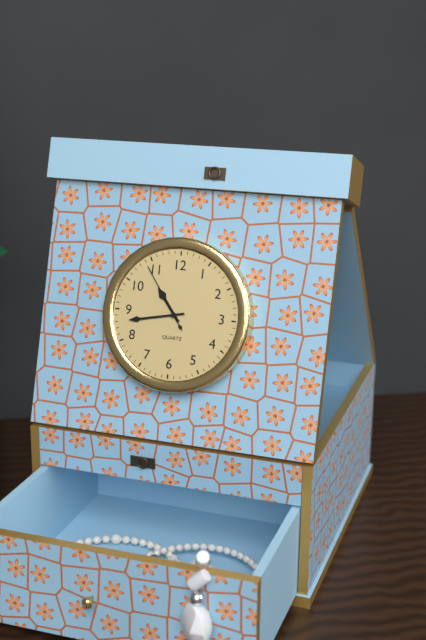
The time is {"hour": 10, "minute": 43, "second": 54}
